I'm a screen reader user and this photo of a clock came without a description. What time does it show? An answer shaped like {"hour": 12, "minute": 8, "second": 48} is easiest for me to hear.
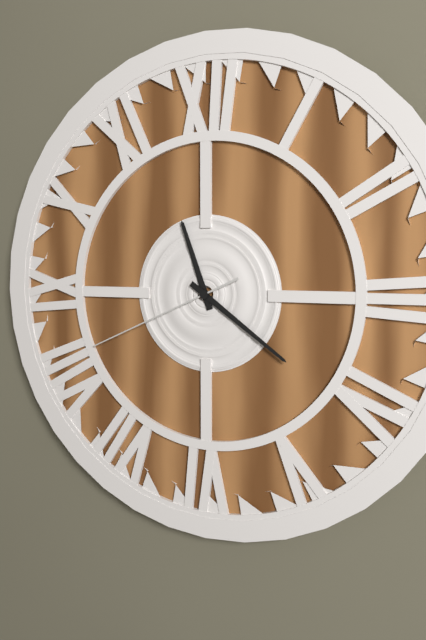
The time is {"hour": 11, "minute": 21, "second": 41}
